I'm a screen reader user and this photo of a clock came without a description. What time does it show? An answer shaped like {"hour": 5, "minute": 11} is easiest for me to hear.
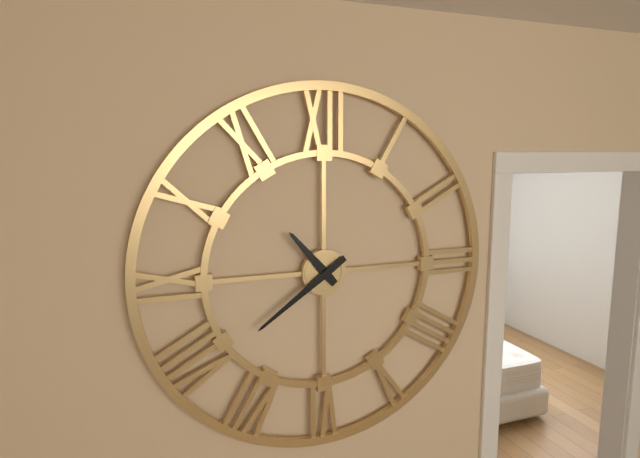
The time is {"hour": 10, "minute": 39}
